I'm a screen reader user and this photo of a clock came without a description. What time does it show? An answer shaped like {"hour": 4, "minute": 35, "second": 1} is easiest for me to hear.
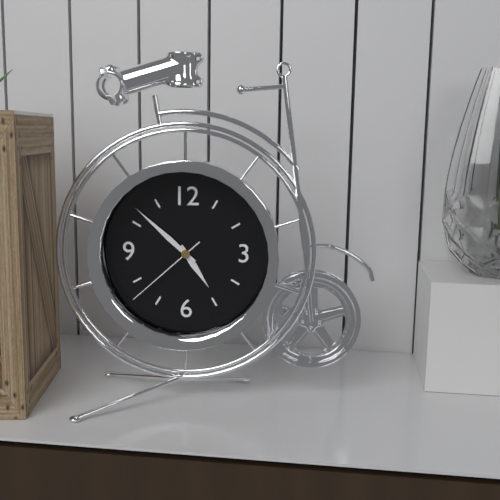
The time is {"hour": 4, "minute": 52, "second": 38}
